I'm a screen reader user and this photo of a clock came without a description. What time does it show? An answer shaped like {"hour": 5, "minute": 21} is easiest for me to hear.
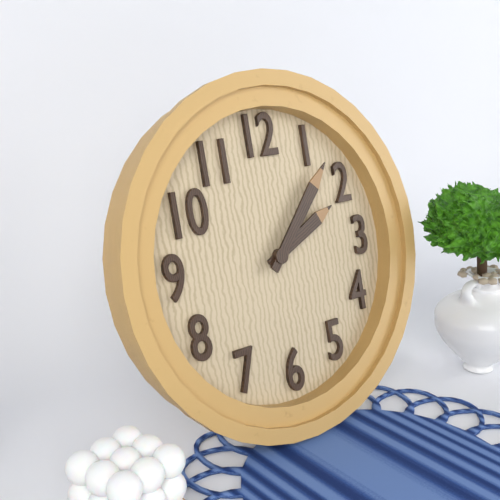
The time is {"hour": 2, "minute": 7}
